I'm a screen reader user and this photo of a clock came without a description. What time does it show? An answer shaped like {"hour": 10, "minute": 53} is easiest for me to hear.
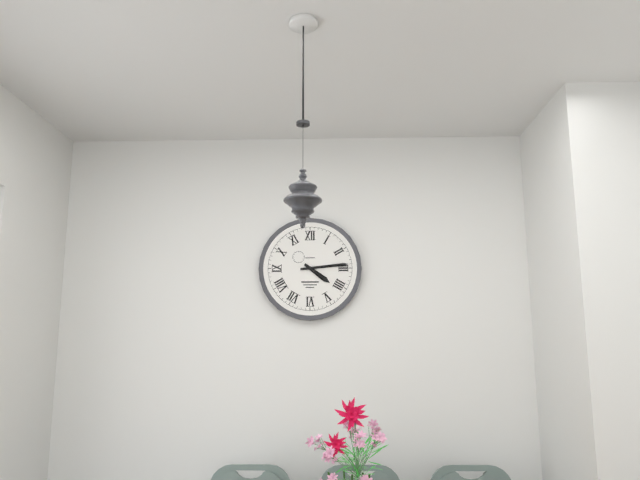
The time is {"hour": 4, "minute": 14}
